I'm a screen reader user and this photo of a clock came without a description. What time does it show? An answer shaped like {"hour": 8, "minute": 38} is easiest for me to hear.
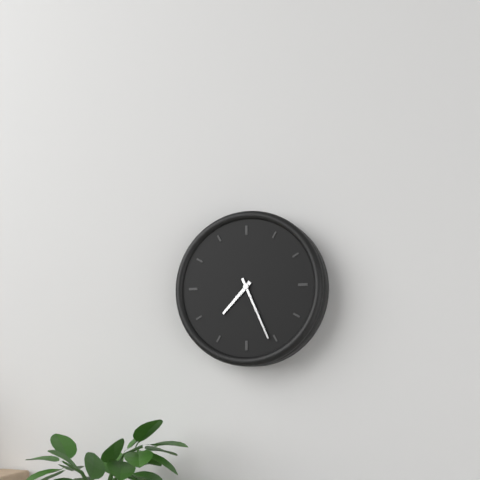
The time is {"hour": 7, "minute": 26}
